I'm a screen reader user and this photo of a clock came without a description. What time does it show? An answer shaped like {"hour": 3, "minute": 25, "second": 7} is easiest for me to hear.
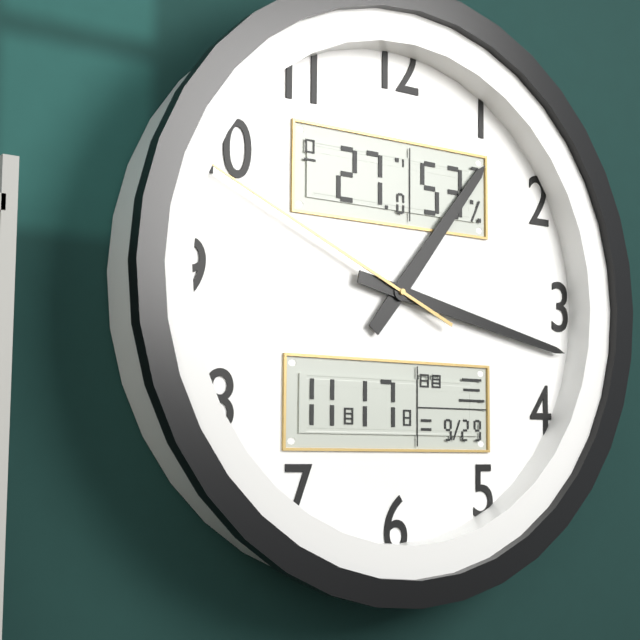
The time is {"hour": 1, "minute": 17, "second": 49}
